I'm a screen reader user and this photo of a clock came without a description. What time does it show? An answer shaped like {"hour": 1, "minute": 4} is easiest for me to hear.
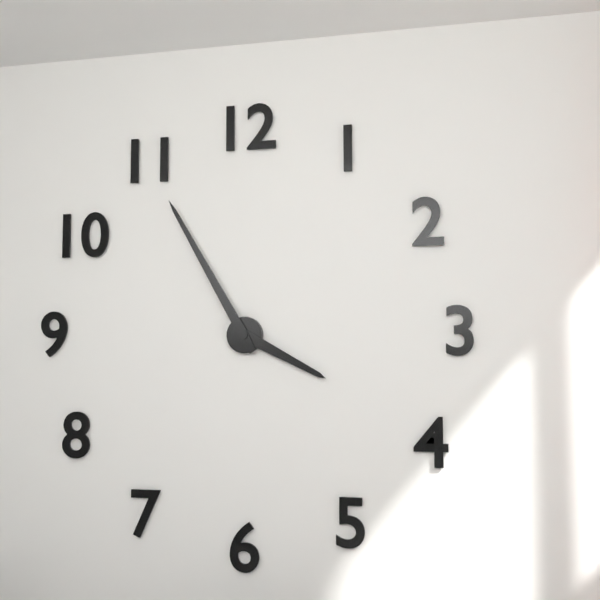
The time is {"hour": 3, "minute": 55}
